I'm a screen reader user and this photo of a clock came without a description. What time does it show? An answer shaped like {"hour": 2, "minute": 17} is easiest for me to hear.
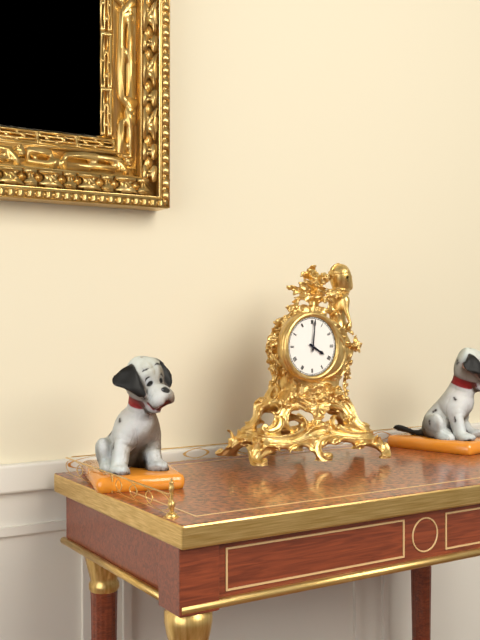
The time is {"hour": 4, "minute": 1}
